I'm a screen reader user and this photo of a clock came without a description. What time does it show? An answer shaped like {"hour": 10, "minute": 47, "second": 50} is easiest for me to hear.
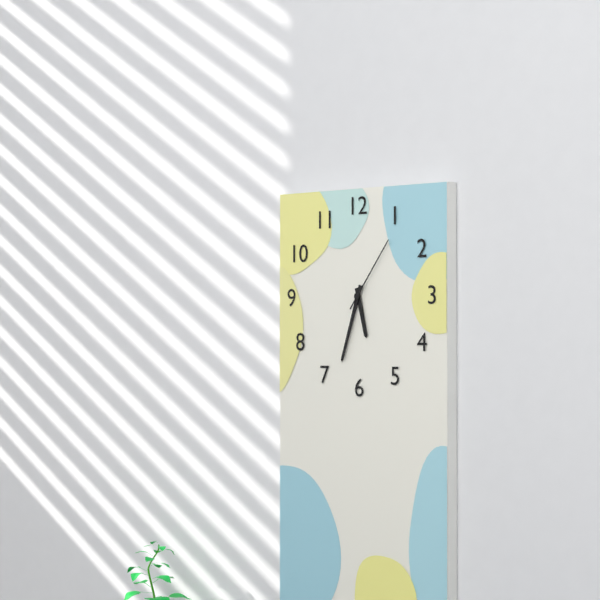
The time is {"hour": 5, "minute": 33, "second": 6}
